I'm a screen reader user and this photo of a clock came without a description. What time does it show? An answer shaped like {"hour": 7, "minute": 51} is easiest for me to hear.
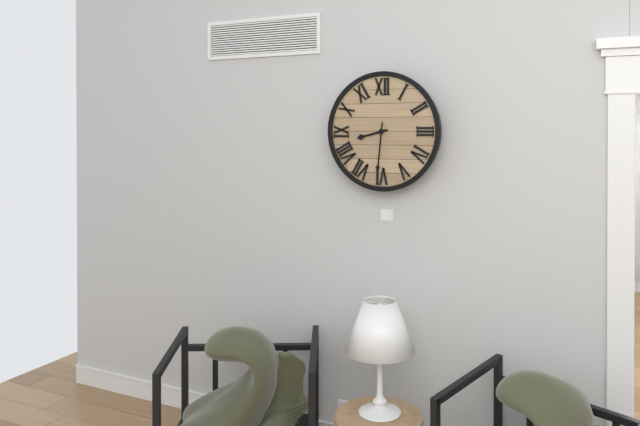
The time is {"hour": 8, "minute": 31}
